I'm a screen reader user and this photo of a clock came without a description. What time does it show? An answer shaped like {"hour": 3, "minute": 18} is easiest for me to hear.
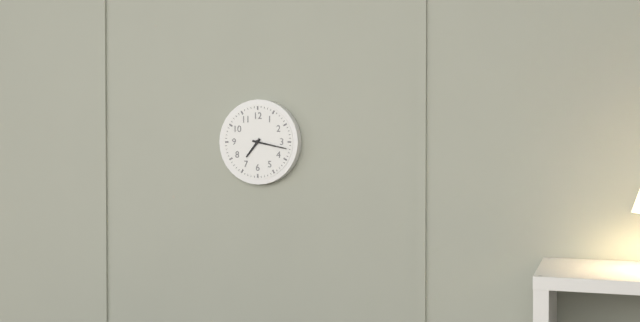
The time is {"hour": 7, "minute": 17}
